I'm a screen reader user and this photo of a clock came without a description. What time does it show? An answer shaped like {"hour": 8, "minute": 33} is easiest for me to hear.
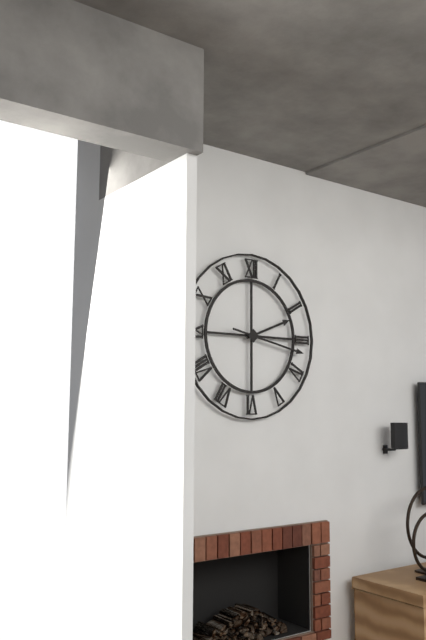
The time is {"hour": 2, "minute": 17}
